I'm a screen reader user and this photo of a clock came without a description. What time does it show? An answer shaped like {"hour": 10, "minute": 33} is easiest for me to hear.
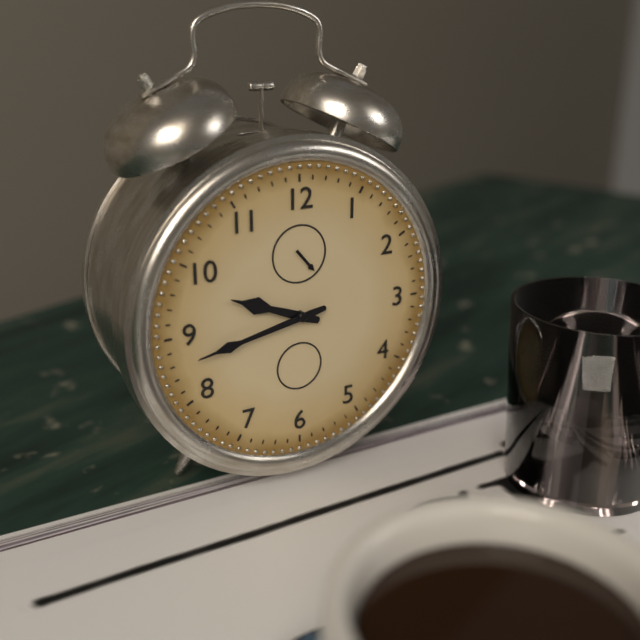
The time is {"hour": 9, "minute": 43}
